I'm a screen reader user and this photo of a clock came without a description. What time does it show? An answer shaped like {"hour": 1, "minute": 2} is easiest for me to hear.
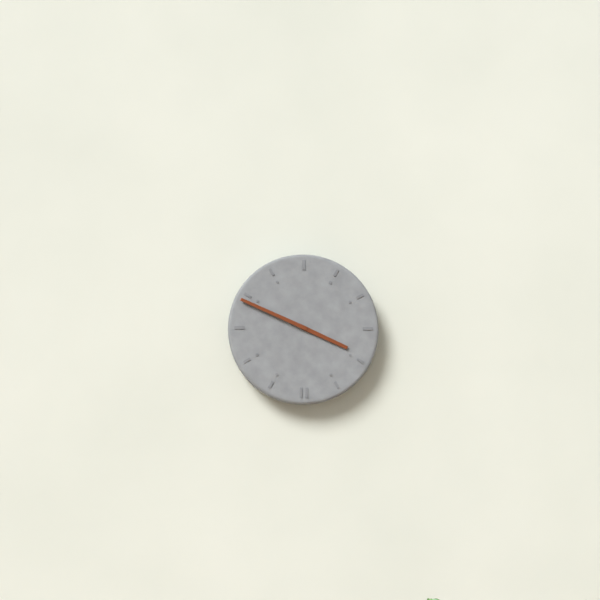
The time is {"hour": 3, "minute": 49}
